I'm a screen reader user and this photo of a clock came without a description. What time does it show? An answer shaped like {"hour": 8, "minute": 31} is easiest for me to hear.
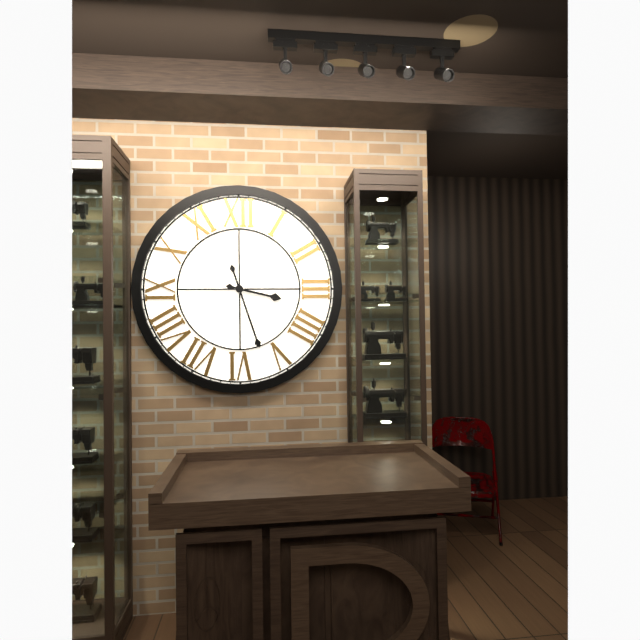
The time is {"hour": 3, "minute": 27}
